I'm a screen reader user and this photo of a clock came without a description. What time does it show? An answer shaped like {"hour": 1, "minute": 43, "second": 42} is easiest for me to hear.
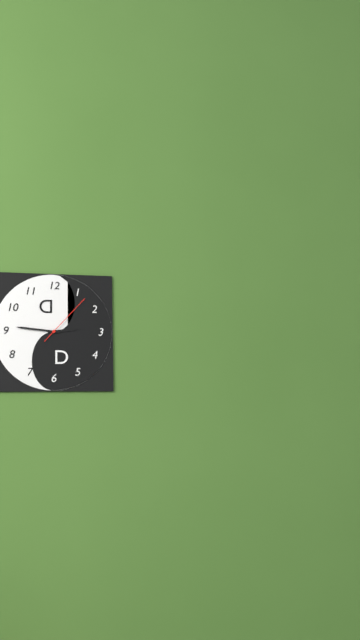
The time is {"hour": 2, "minute": 46, "second": 7}
